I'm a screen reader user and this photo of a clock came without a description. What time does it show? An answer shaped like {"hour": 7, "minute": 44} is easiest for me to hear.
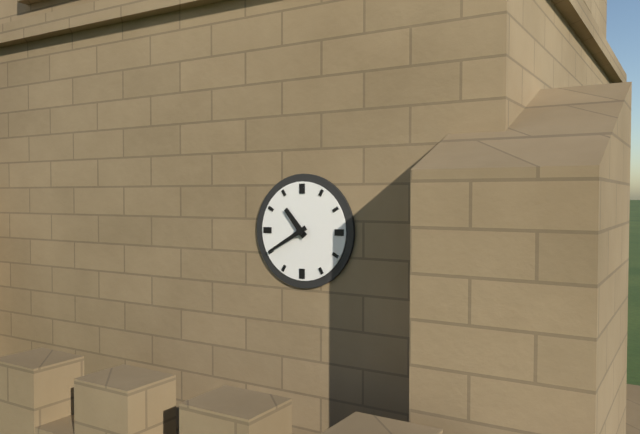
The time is {"hour": 10, "minute": 40}
